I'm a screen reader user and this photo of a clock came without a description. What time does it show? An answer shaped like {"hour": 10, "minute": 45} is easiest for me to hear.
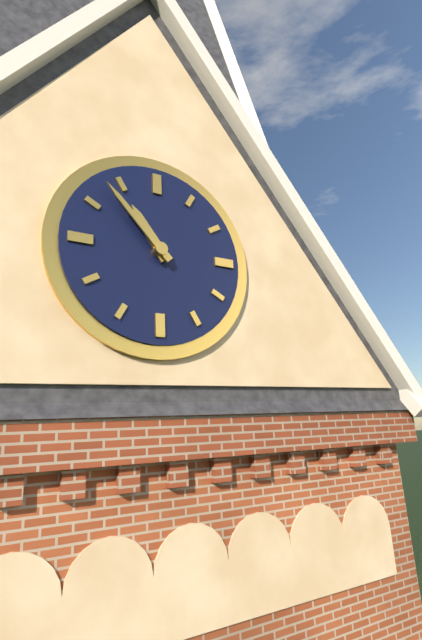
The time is {"hour": 10, "minute": 53}
